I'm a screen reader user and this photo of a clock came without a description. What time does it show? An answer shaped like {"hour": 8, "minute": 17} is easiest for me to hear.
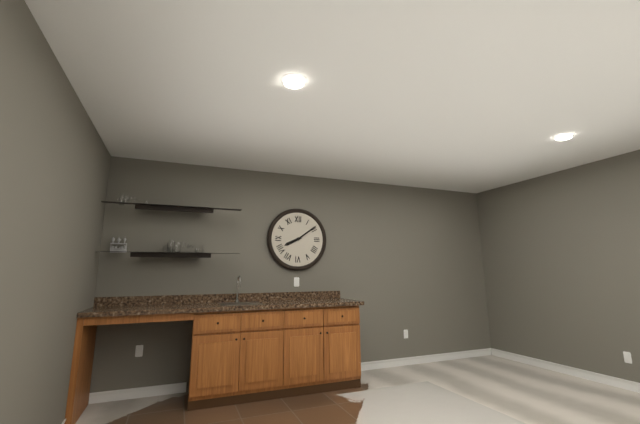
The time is {"hour": 8, "minute": 9}
